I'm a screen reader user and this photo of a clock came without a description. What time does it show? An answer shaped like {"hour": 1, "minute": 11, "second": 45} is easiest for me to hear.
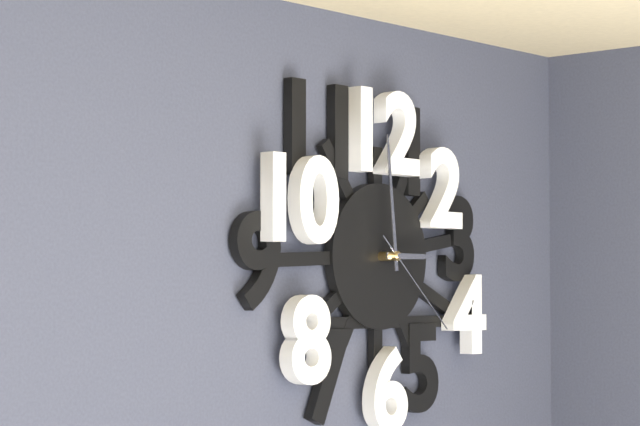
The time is {"hour": 2, "minute": 59, "second": 22}
